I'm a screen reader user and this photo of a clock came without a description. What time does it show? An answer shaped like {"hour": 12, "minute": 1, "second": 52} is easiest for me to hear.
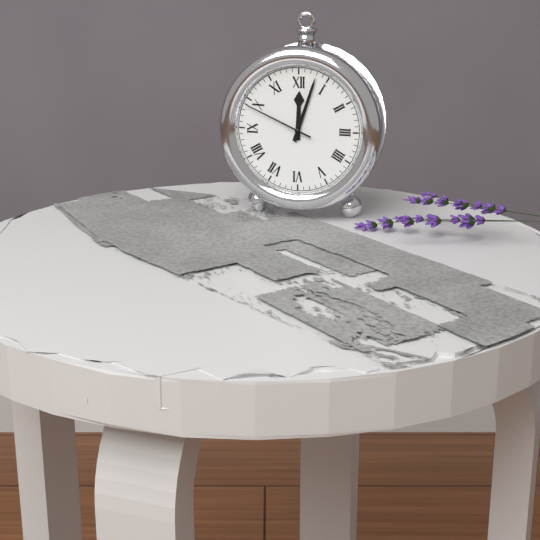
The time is {"hour": 12, "minute": 3, "second": 49}
